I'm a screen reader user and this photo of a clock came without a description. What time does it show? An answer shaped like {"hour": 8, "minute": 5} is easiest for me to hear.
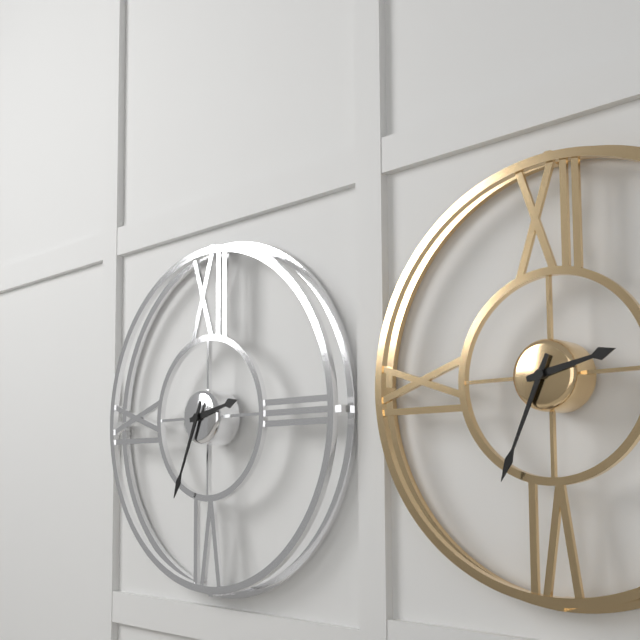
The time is {"hour": 2, "minute": 34}
